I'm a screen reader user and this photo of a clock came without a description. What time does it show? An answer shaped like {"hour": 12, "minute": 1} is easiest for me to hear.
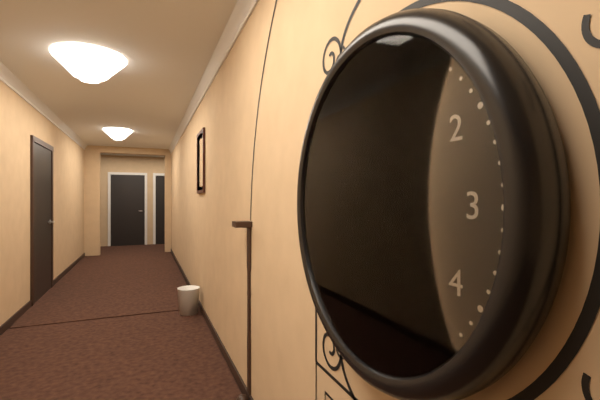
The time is {"hour": 8, "minute": 39}
